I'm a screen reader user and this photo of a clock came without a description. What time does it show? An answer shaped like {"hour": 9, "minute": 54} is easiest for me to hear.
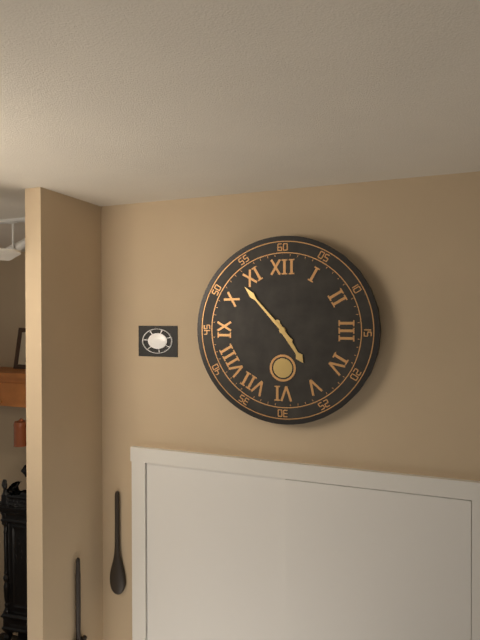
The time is {"hour": 4, "minute": 53}
